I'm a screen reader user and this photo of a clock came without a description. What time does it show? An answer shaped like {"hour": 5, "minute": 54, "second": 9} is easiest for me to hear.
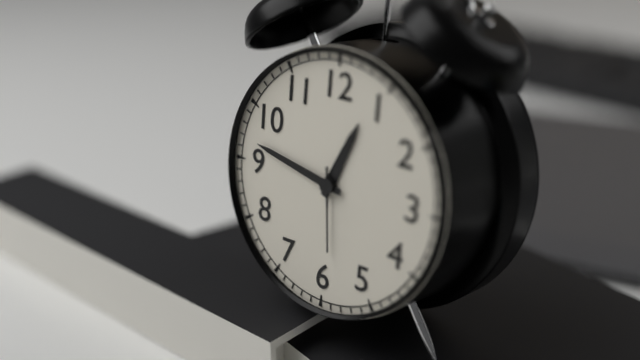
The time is {"hour": 12, "minute": 47, "second": 29}
